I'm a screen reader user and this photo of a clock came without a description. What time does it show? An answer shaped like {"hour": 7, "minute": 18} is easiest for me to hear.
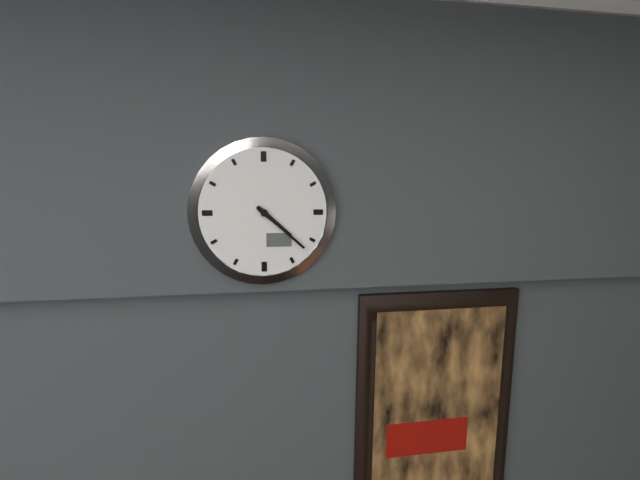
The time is {"hour": 4, "minute": 22}
